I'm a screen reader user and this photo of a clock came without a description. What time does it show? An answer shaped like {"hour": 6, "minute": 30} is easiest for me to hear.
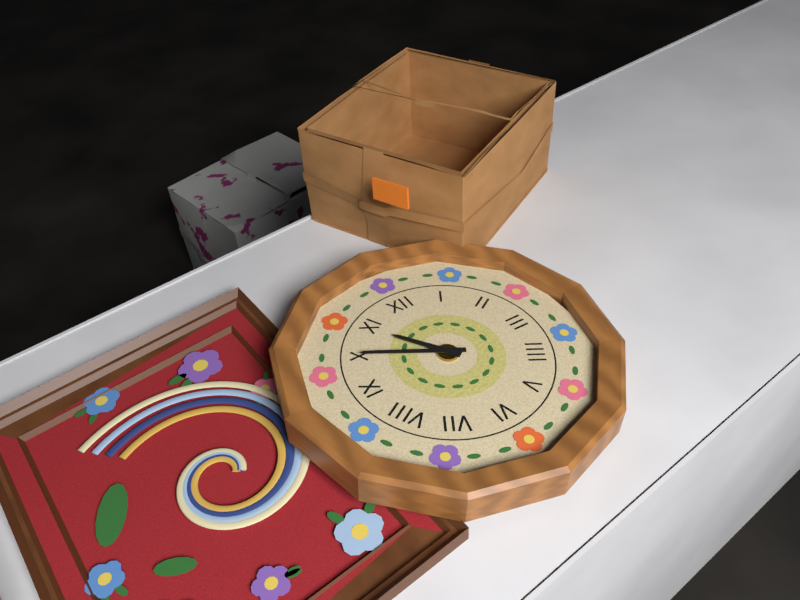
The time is {"hour": 10, "minute": 50}
